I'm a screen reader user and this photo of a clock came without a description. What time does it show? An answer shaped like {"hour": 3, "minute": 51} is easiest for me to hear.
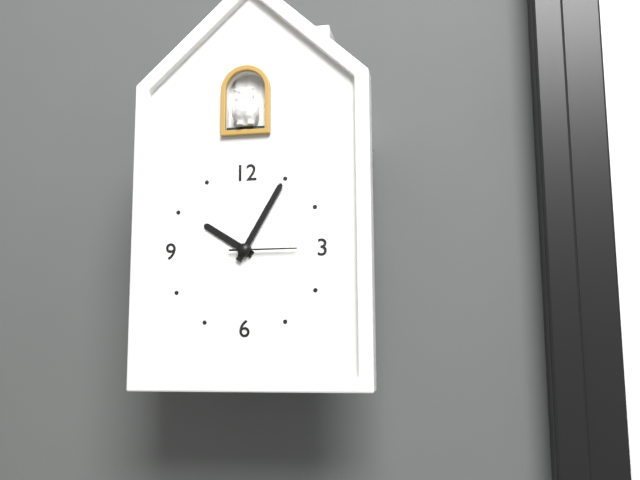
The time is {"hour": 10, "minute": 5}
